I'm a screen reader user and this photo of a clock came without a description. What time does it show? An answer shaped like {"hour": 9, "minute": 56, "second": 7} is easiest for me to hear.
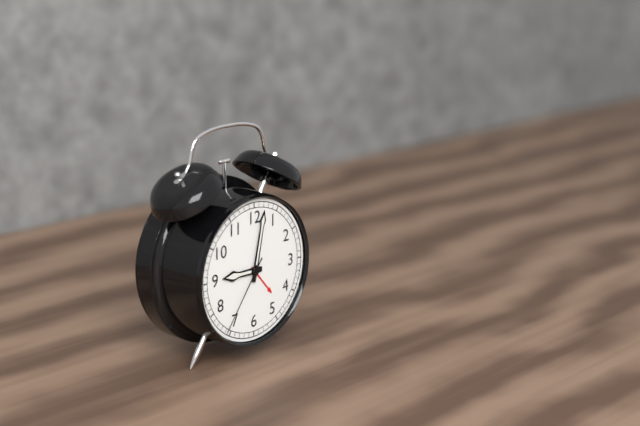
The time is {"hour": 9, "minute": 2, "second": 36}
